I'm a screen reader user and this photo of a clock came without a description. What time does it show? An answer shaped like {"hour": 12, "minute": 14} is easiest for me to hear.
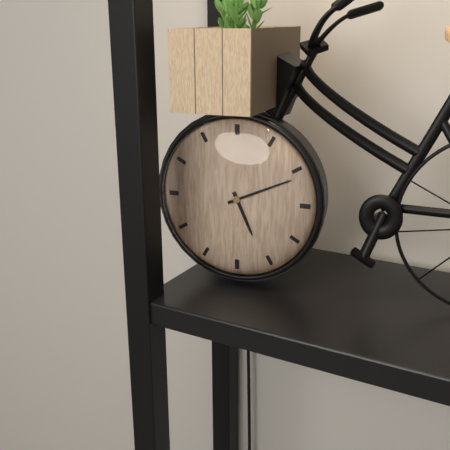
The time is {"hour": 5, "minute": 11}
